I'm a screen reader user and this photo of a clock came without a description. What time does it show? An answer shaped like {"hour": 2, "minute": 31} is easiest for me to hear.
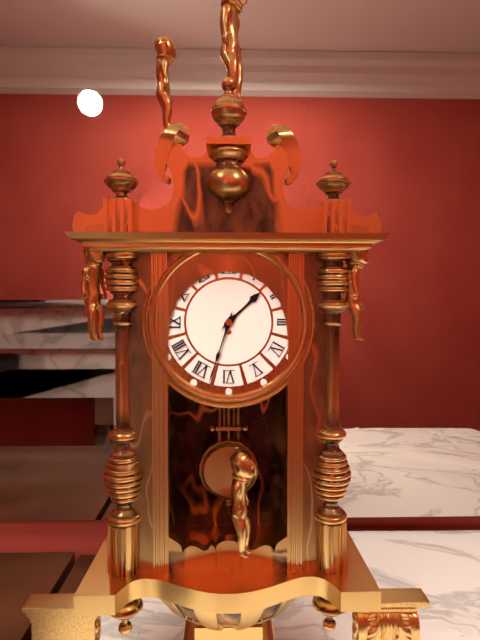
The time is {"hour": 1, "minute": 33}
